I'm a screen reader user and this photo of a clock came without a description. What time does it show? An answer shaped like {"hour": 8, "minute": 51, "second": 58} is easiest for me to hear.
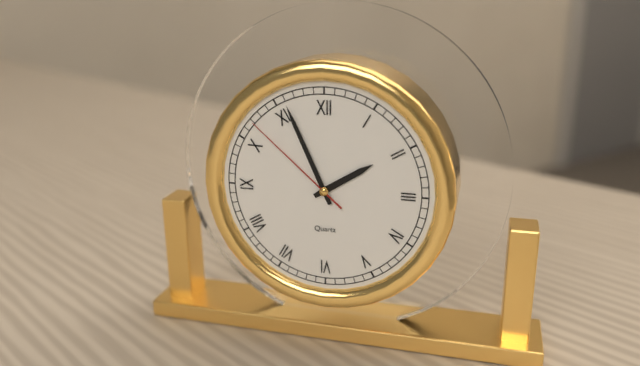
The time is {"hour": 1, "minute": 56, "second": 52}
